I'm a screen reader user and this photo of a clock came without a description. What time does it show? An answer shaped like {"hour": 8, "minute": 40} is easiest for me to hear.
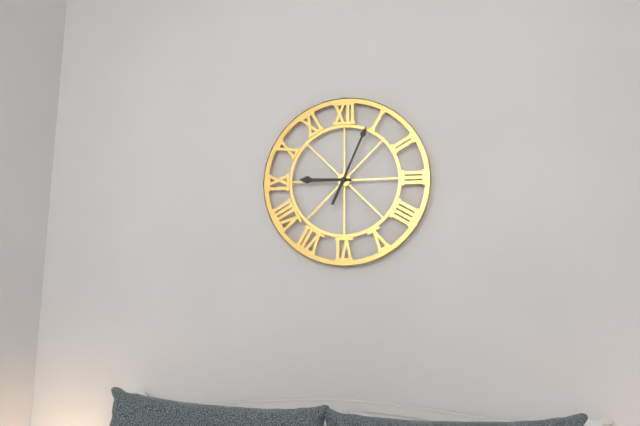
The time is {"hour": 9, "minute": 4}
